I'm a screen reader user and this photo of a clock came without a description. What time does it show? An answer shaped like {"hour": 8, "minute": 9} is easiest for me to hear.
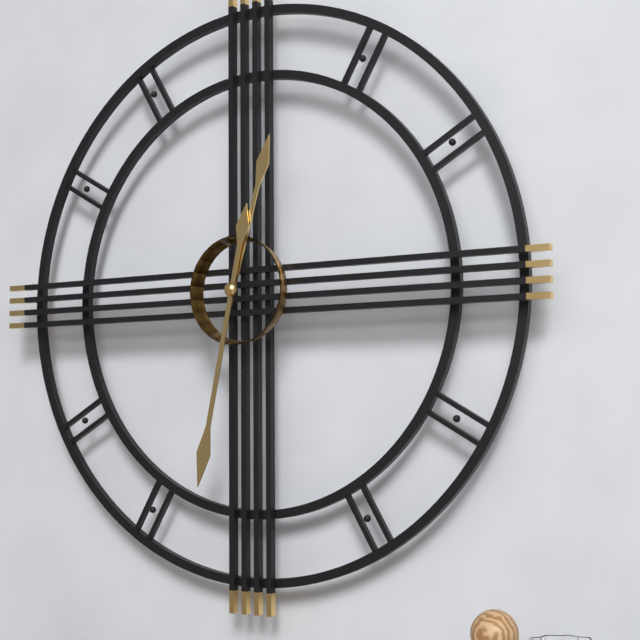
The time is {"hour": 12, "minute": 32}
